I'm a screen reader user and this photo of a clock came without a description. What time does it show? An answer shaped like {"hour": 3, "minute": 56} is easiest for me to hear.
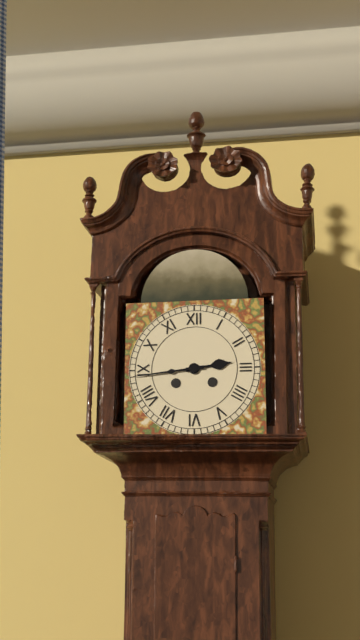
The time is {"hour": 2, "minute": 44}
